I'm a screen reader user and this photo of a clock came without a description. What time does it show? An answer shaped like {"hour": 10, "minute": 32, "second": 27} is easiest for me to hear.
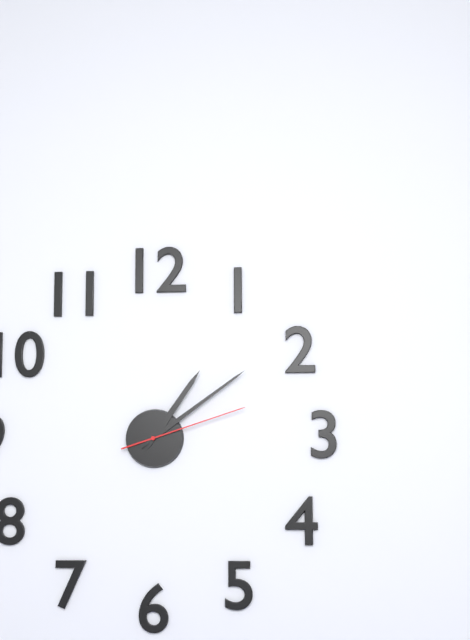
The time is {"hour": 1, "minute": 9, "second": 12}
